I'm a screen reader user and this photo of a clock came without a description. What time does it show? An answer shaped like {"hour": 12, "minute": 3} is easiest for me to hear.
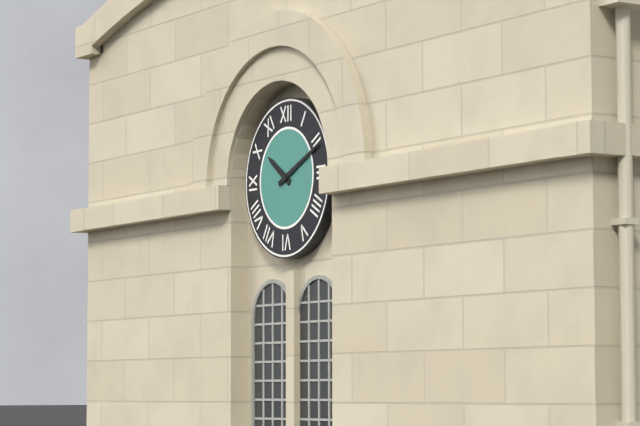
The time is {"hour": 10, "minute": 11}
